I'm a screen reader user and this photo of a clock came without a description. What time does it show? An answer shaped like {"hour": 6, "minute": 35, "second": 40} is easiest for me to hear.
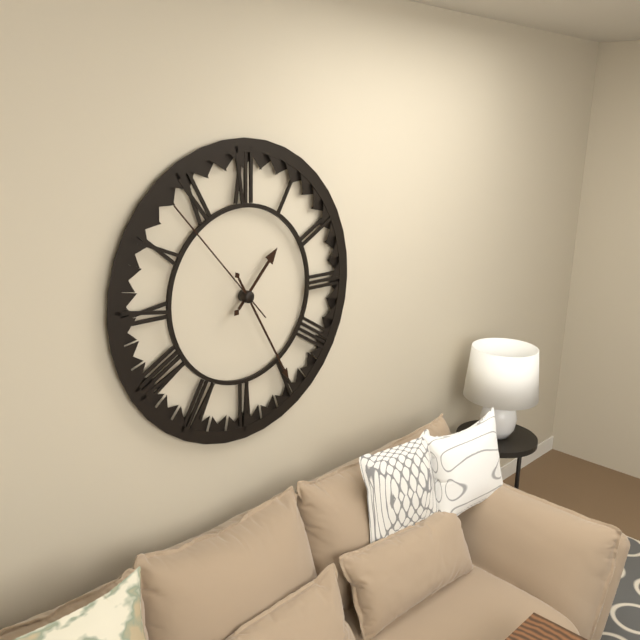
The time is {"hour": 1, "minute": 25, "second": 53}
